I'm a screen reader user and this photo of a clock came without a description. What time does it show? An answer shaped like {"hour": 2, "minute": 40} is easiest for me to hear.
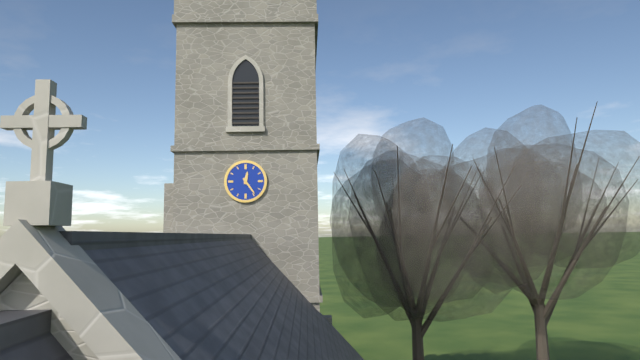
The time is {"hour": 12, "minute": 24}
